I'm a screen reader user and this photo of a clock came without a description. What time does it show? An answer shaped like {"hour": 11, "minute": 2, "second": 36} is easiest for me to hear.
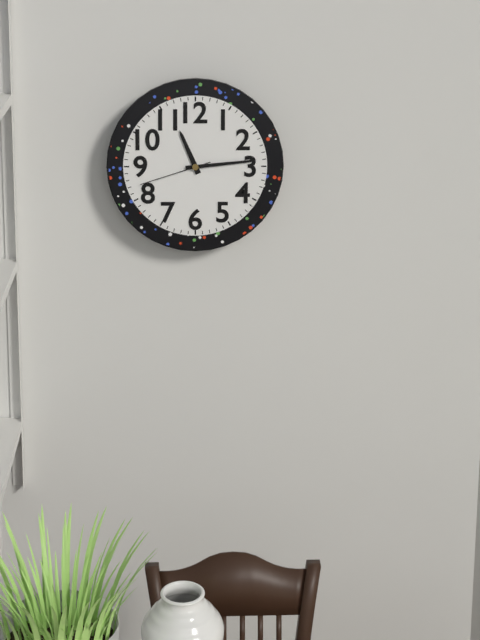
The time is {"hour": 11, "minute": 14, "second": 42}
